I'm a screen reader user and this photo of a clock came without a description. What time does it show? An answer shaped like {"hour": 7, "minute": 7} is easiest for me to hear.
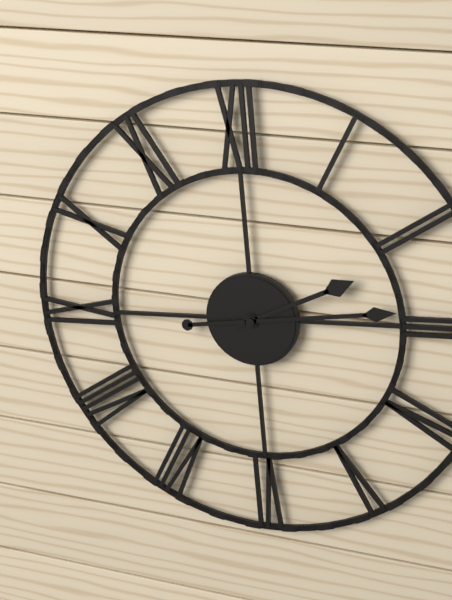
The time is {"hour": 2, "minute": 14}
